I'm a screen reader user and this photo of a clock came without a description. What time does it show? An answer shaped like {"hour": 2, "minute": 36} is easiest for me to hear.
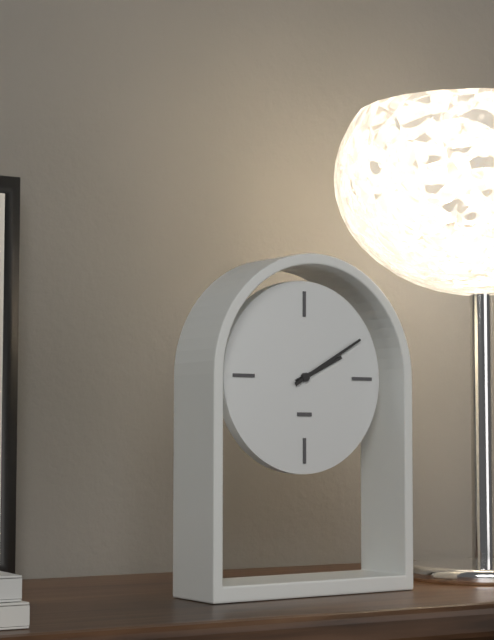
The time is {"hour": 2, "minute": 10}
